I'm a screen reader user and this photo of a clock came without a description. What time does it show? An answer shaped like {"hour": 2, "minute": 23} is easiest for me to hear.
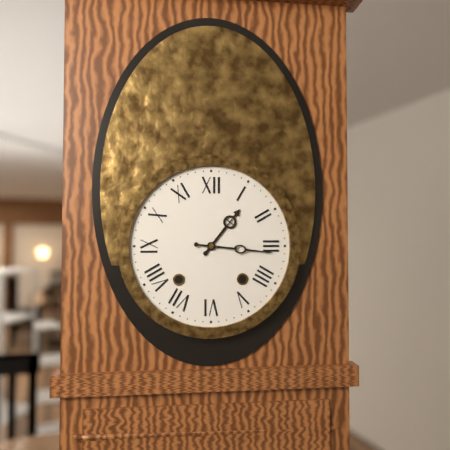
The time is {"hour": 1, "minute": 16}
